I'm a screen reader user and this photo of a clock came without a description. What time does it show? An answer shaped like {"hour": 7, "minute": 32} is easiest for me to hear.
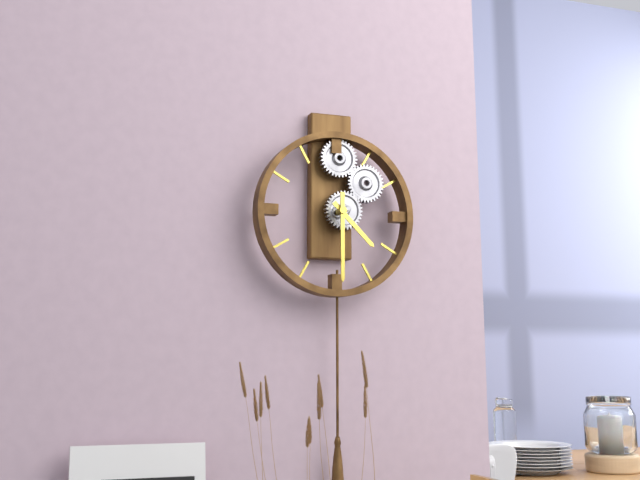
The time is {"hour": 4, "minute": 30}
